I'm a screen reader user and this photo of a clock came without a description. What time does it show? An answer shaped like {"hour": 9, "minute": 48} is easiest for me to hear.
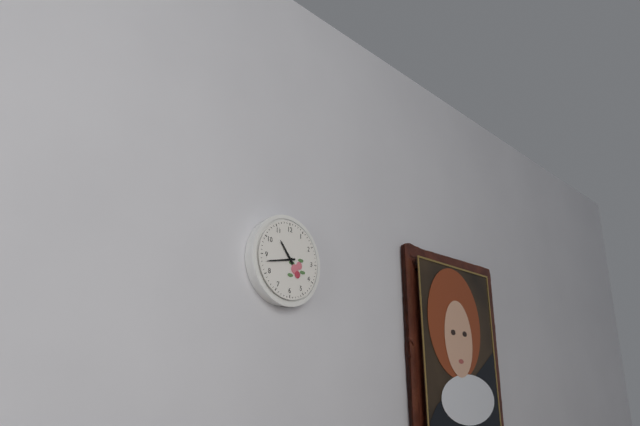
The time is {"hour": 10, "minute": 43}
